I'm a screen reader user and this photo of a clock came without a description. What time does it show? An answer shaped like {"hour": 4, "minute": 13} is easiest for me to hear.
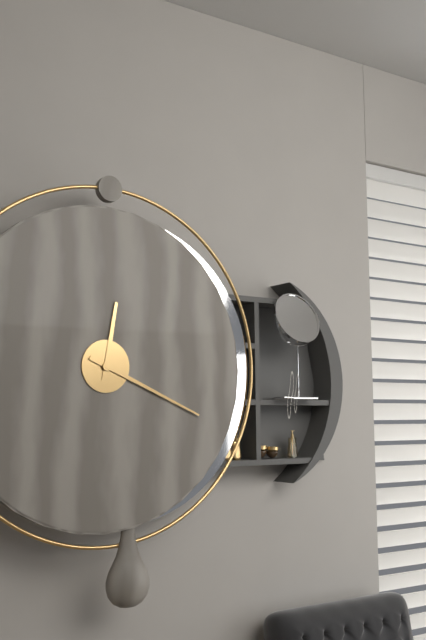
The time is {"hour": 12, "minute": 19}
